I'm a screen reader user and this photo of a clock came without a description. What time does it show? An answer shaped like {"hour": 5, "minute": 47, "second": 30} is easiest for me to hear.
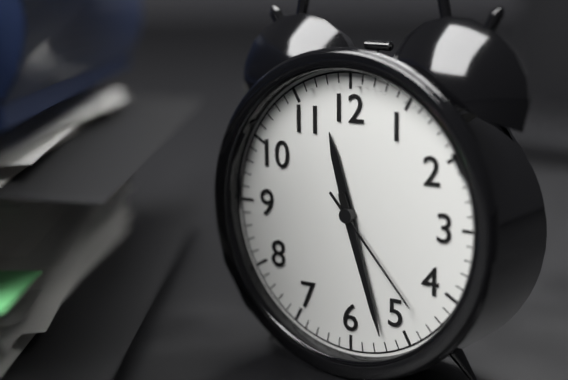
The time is {"hour": 11, "minute": 27, "second": 23}
